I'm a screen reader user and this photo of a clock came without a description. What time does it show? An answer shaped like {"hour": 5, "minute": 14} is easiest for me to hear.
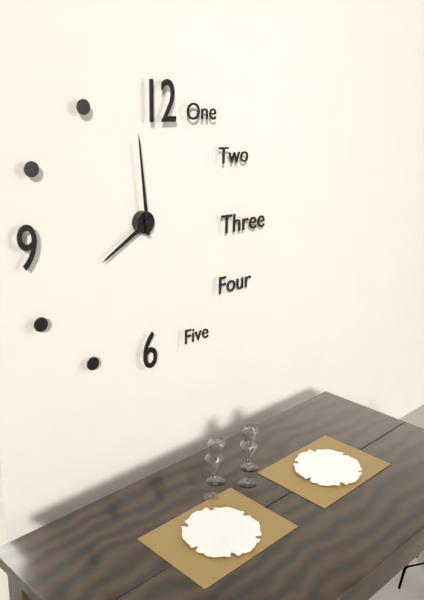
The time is {"hour": 7, "minute": 59}
